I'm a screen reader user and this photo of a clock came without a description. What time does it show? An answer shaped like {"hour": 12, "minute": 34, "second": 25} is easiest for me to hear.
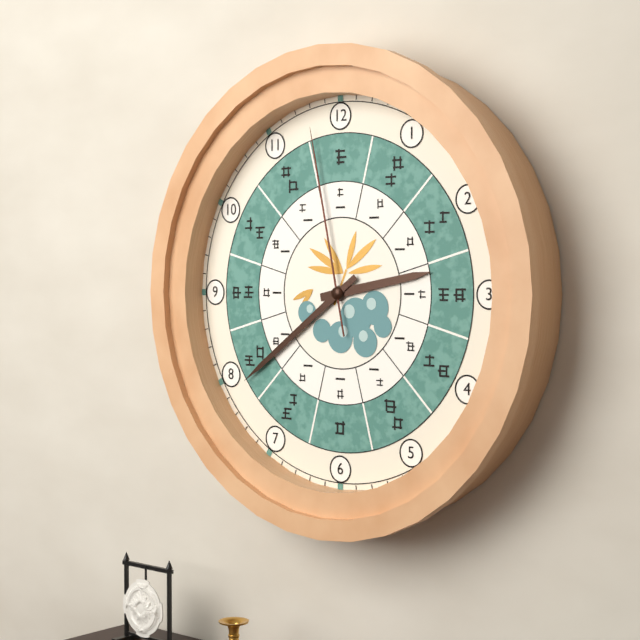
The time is {"hour": 2, "minute": 39, "second": 58}
